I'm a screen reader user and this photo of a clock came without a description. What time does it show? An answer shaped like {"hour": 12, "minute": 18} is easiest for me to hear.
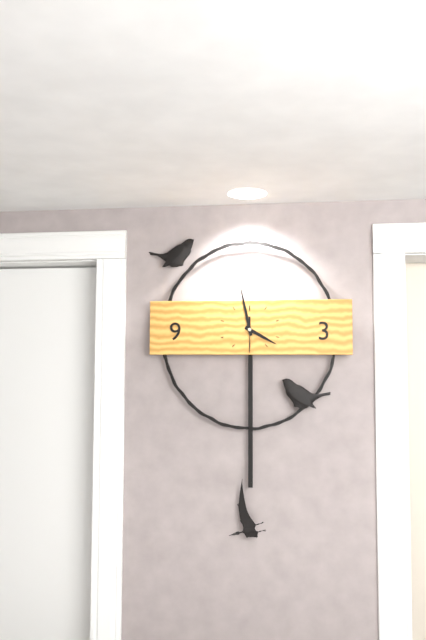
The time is {"hour": 3, "minute": 58}
